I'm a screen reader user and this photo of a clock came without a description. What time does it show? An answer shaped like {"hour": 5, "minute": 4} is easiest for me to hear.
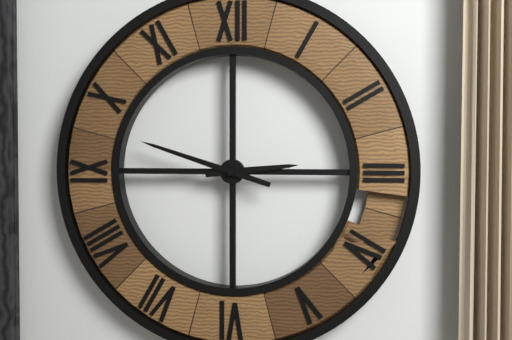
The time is {"hour": 2, "minute": 48}
